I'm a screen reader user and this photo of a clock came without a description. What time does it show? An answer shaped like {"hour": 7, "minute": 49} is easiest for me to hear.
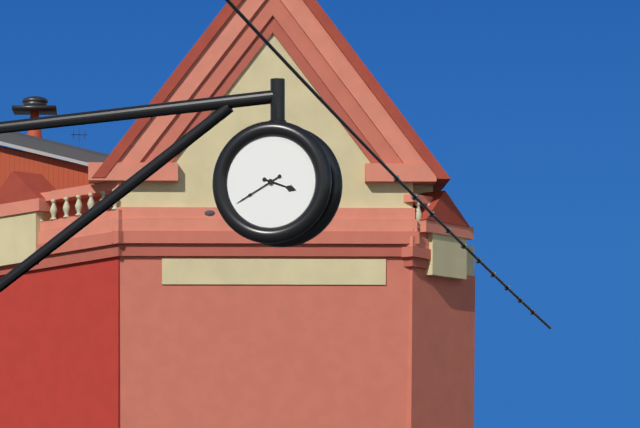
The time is {"hour": 3, "minute": 40}
